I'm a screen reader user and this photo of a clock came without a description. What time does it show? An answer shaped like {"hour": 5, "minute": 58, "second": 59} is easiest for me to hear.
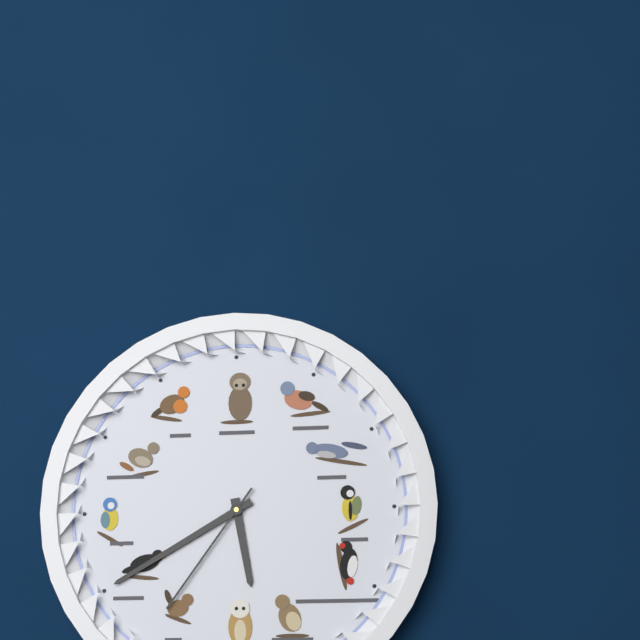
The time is {"hour": 5, "minute": 40, "second": 36}
